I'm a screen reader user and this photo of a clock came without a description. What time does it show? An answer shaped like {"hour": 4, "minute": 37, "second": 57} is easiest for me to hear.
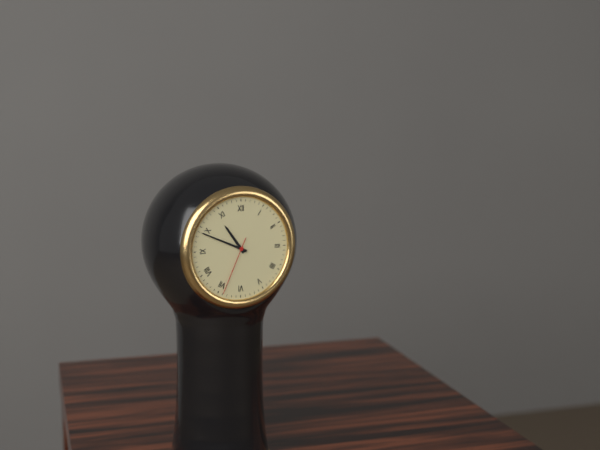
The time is {"hour": 10, "minute": 49, "second": 34}
